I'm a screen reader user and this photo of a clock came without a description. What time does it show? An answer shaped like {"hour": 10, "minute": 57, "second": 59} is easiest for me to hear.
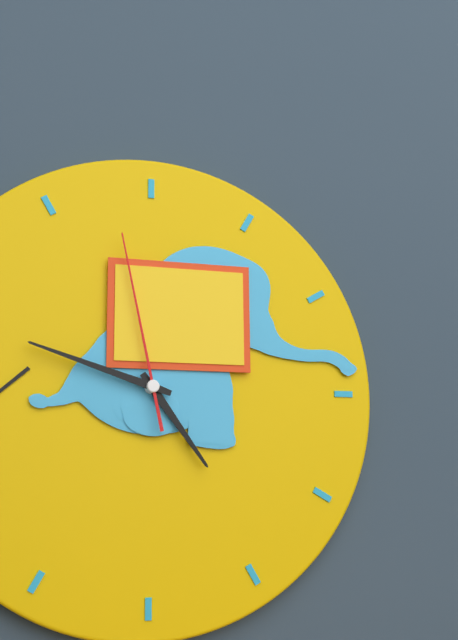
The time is {"hour": 4, "minute": 48, "second": 58}
